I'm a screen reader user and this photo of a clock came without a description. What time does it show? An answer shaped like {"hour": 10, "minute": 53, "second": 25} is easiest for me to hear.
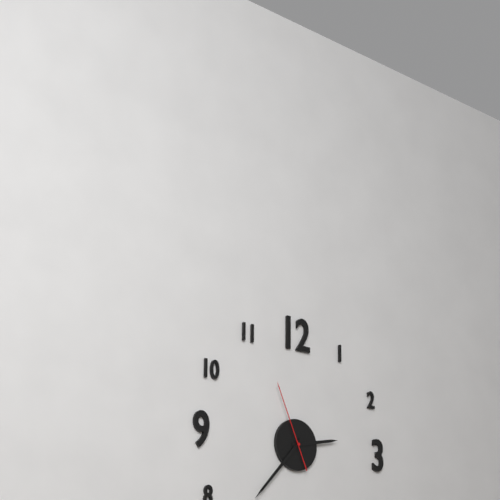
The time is {"hour": 2, "minute": 37, "second": 56}
